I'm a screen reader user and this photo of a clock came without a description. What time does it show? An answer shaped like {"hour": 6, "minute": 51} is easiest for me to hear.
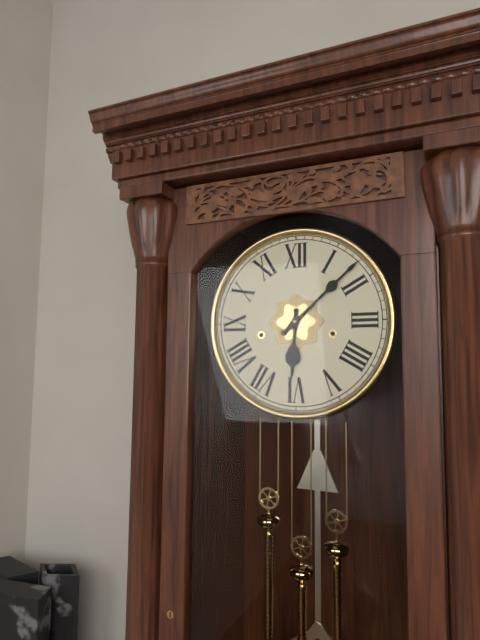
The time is {"hour": 6, "minute": 8}
